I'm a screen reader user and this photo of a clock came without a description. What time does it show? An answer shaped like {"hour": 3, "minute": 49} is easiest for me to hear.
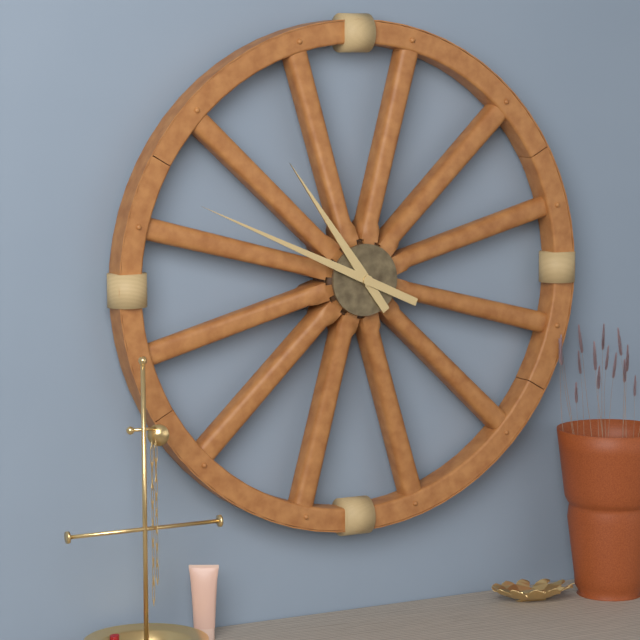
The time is {"hour": 10, "minute": 49}
